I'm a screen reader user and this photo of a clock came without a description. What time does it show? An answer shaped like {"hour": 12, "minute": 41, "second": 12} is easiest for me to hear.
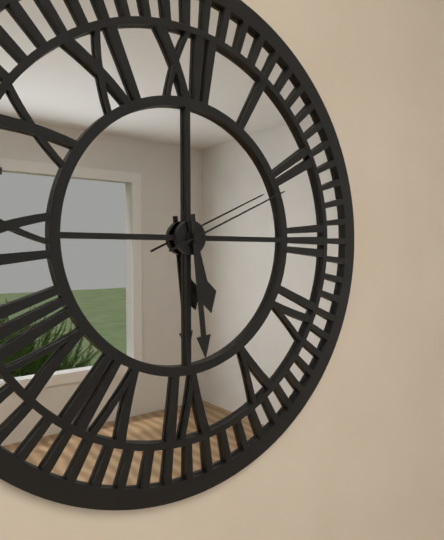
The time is {"hour": 5, "minute": 29, "second": 11}
